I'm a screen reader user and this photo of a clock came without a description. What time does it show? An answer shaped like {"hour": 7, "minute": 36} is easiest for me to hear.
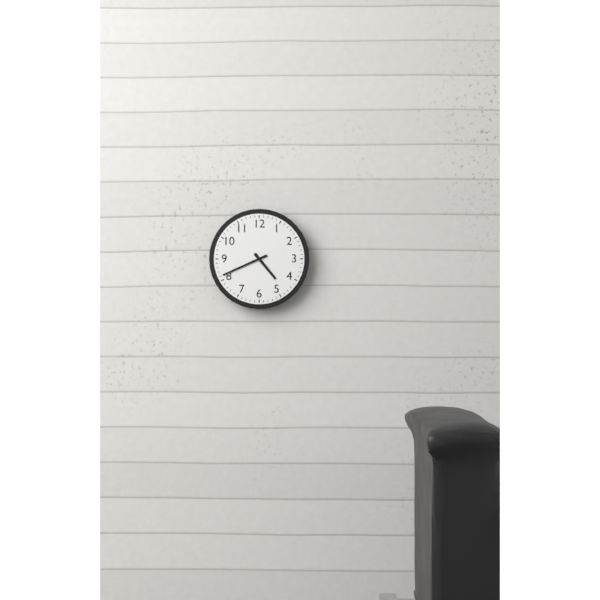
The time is {"hour": 4, "minute": 41}
